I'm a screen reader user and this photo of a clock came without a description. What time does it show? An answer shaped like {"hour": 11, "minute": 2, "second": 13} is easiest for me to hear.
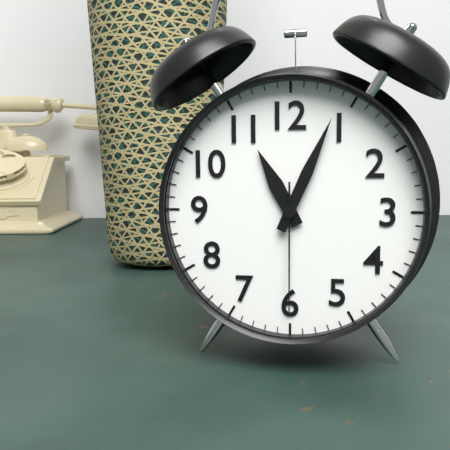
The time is {"hour": 11, "minute": 4, "second": 30}
